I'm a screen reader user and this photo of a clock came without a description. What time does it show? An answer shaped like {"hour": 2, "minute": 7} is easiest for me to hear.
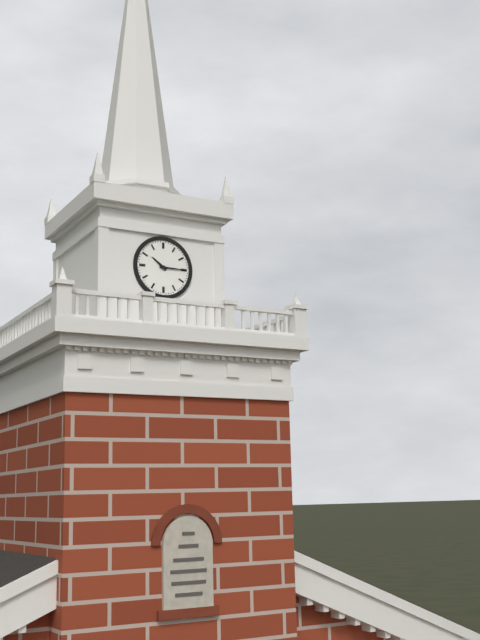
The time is {"hour": 10, "minute": 15}
